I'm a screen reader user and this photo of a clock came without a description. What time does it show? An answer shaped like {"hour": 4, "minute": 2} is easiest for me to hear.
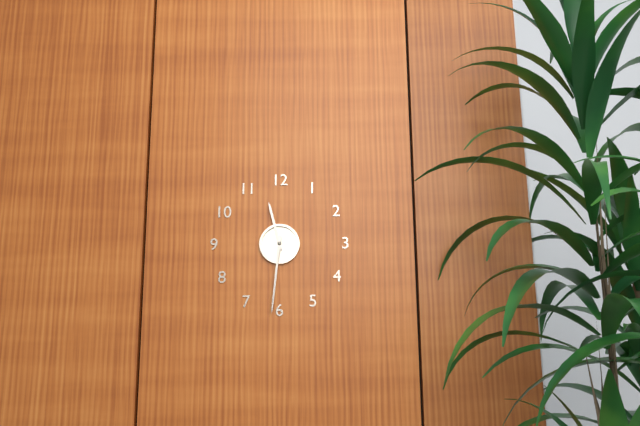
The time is {"hour": 11, "minute": 31}
